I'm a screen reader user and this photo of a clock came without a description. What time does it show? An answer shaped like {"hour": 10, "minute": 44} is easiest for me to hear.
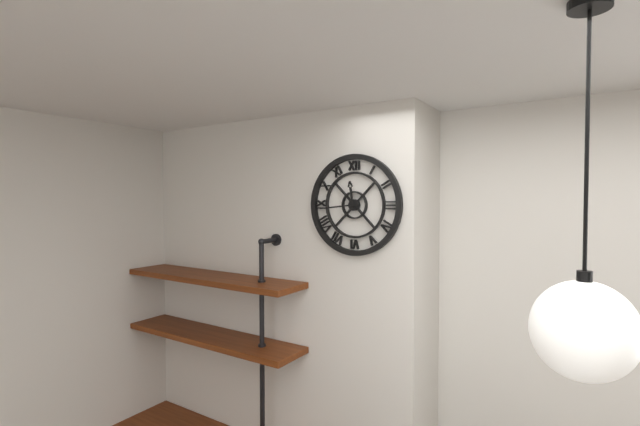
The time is {"hour": 11, "minute": 44}
